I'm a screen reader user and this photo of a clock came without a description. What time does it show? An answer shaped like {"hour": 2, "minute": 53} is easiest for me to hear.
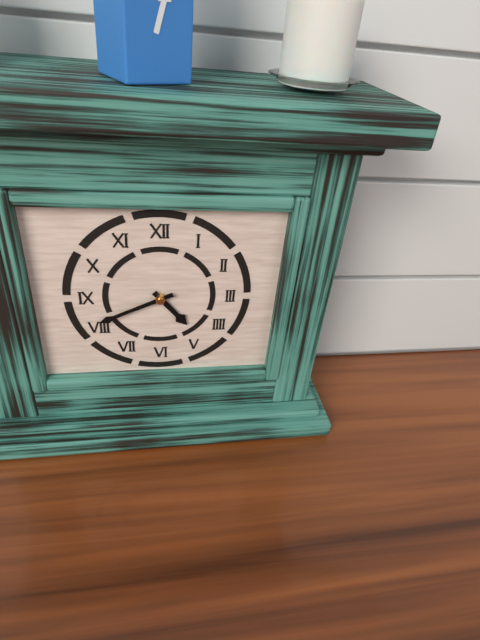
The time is {"hour": 4, "minute": 41}
